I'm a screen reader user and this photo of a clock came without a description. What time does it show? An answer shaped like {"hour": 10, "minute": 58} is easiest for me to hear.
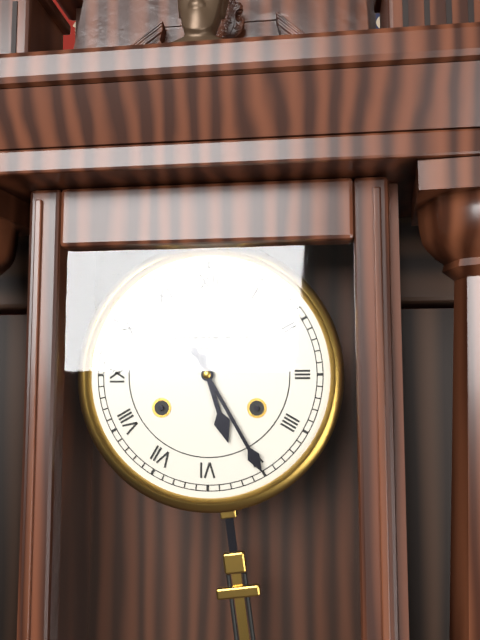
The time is {"hour": 5, "minute": 25}
